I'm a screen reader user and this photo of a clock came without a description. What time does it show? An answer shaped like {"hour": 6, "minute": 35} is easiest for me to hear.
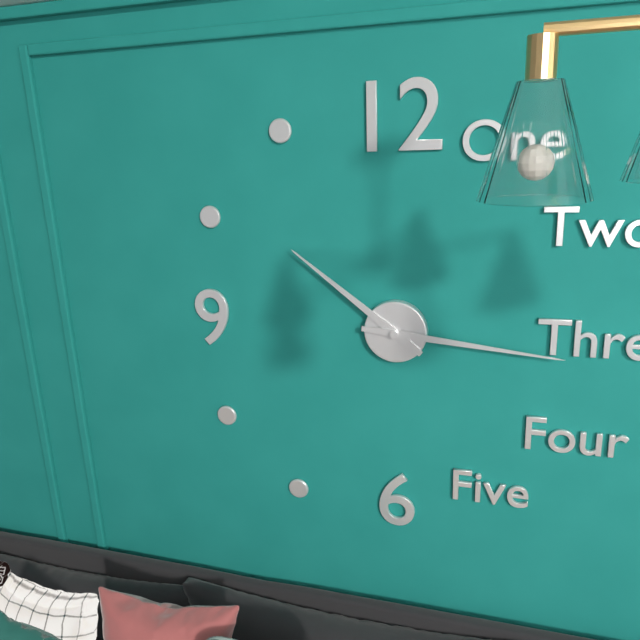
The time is {"hour": 10, "minute": 16}
